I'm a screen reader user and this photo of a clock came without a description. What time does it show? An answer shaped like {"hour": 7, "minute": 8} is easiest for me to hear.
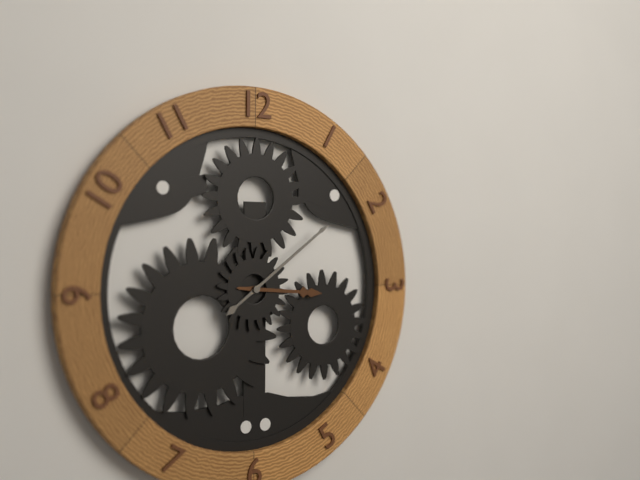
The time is {"hour": 3, "minute": 9}
